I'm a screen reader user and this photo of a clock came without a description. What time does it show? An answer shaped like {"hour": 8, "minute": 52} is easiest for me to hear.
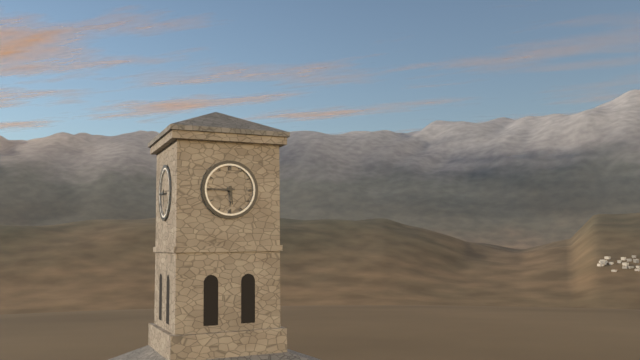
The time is {"hour": 5, "minute": 45}
